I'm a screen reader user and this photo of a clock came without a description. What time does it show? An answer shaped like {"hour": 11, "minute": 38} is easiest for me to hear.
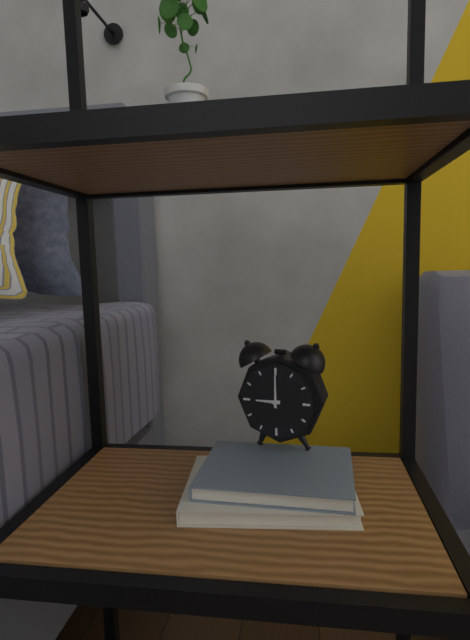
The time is {"hour": 9, "minute": 0}
